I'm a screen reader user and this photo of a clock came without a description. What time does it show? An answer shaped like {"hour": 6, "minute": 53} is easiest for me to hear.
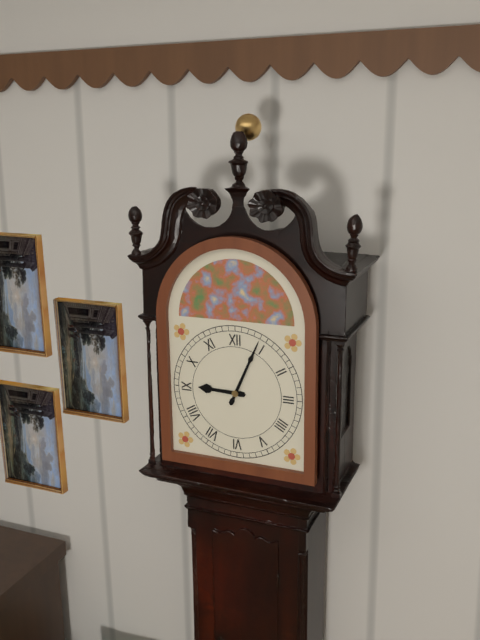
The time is {"hour": 9, "minute": 4}
